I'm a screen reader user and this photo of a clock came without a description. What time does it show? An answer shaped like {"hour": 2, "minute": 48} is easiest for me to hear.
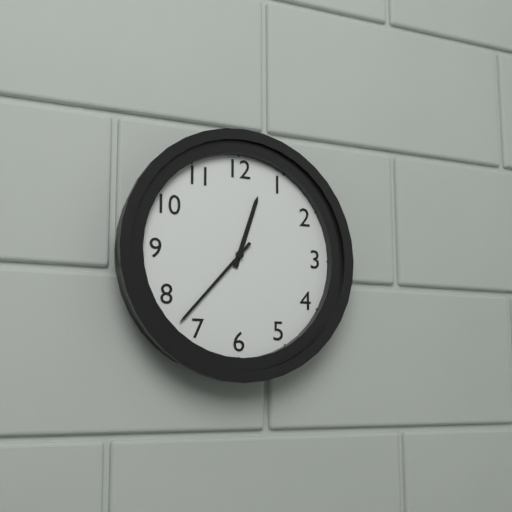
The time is {"hour": 12, "minute": 37}
